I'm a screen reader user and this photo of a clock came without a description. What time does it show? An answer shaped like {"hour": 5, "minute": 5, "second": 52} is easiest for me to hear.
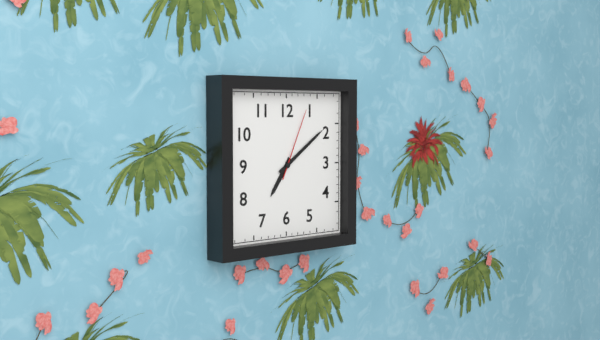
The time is {"hour": 7, "minute": 9, "second": 4}
